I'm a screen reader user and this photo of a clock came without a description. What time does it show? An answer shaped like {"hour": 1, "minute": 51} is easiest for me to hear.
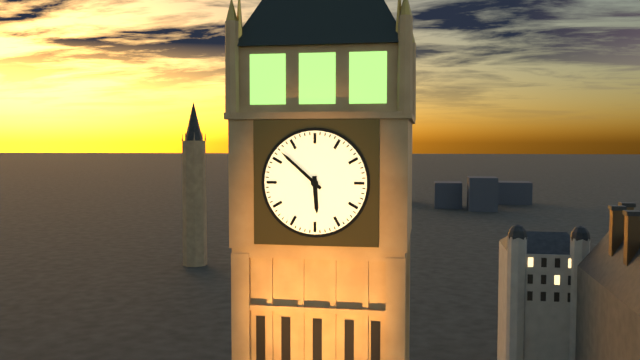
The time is {"hour": 5, "minute": 52}
